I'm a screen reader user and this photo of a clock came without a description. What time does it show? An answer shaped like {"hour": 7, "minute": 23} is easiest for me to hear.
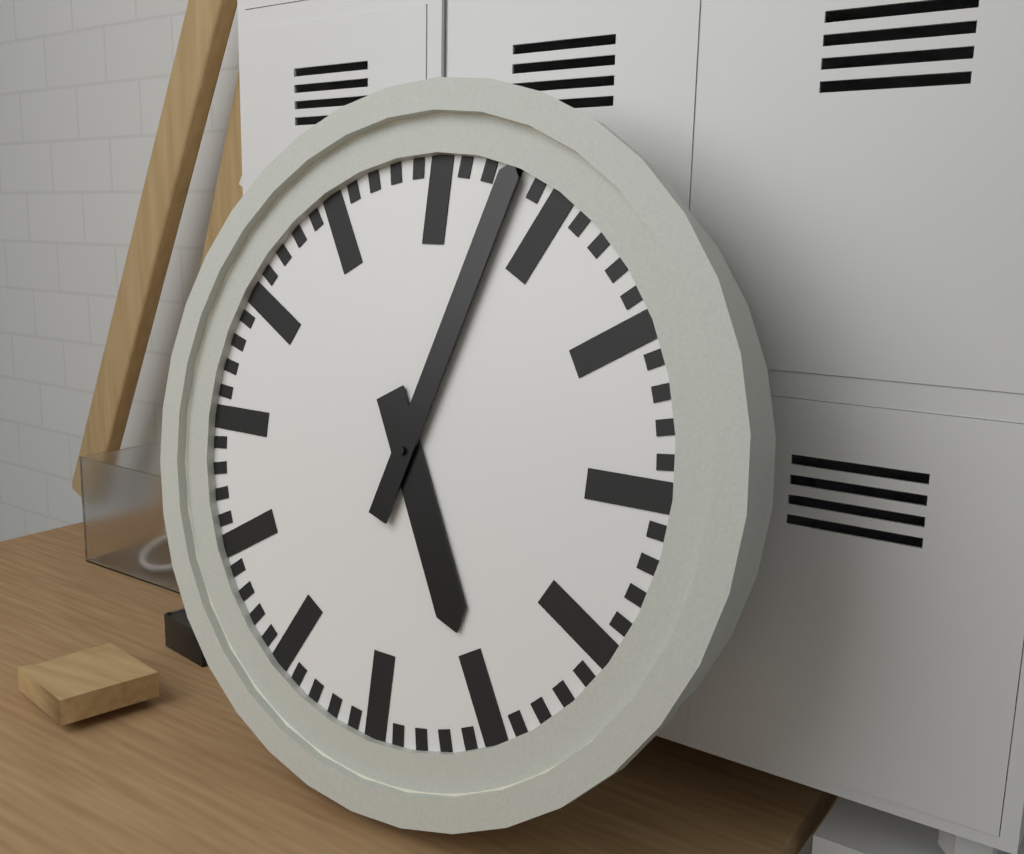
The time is {"hour": 5, "minute": 3}
